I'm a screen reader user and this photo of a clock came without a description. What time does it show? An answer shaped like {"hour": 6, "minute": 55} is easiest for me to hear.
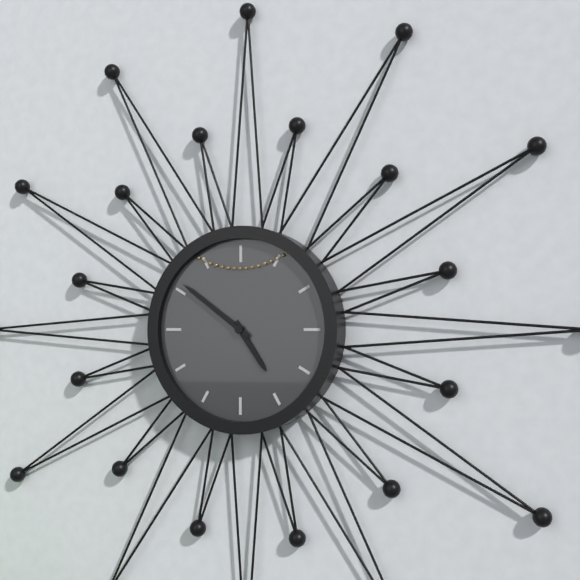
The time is {"hour": 4, "minute": 51}
